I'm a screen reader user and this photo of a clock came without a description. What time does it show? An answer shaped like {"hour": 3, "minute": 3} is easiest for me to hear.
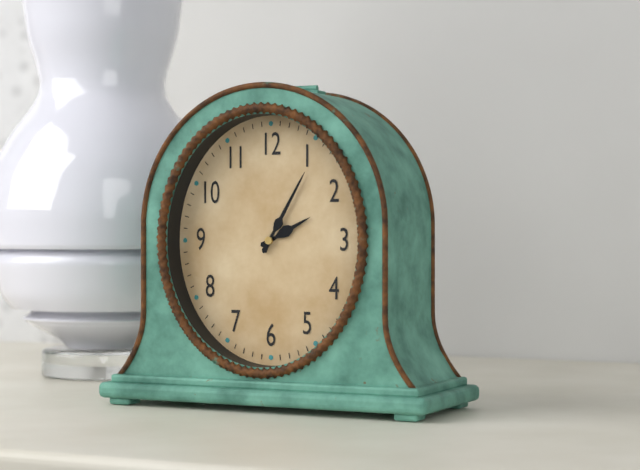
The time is {"hour": 2, "minute": 5}
